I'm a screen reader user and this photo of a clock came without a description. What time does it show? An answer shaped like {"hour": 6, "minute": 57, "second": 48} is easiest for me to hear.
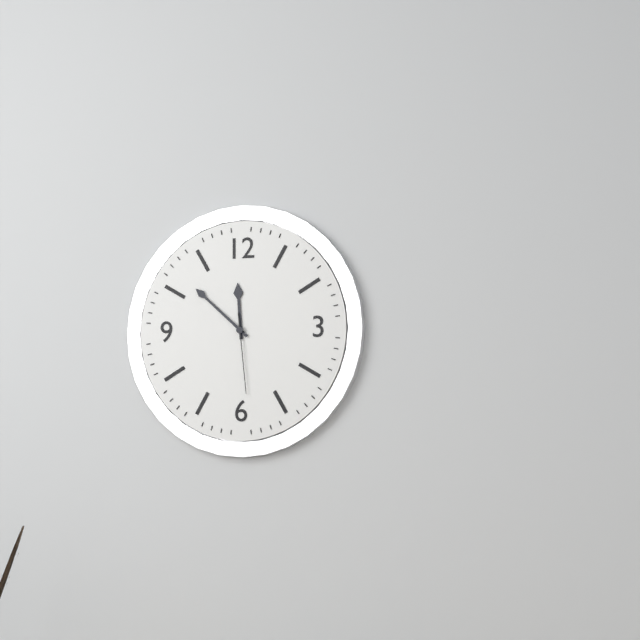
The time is {"hour": 11, "minute": 52, "second": 29}
